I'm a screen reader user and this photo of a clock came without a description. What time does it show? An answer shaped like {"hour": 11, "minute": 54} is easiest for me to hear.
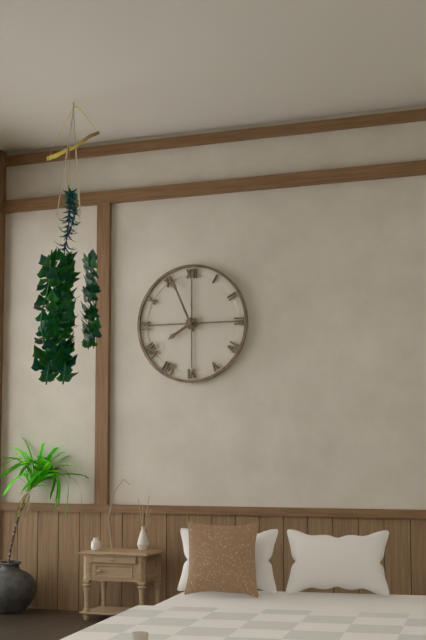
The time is {"hour": 7, "minute": 56}
